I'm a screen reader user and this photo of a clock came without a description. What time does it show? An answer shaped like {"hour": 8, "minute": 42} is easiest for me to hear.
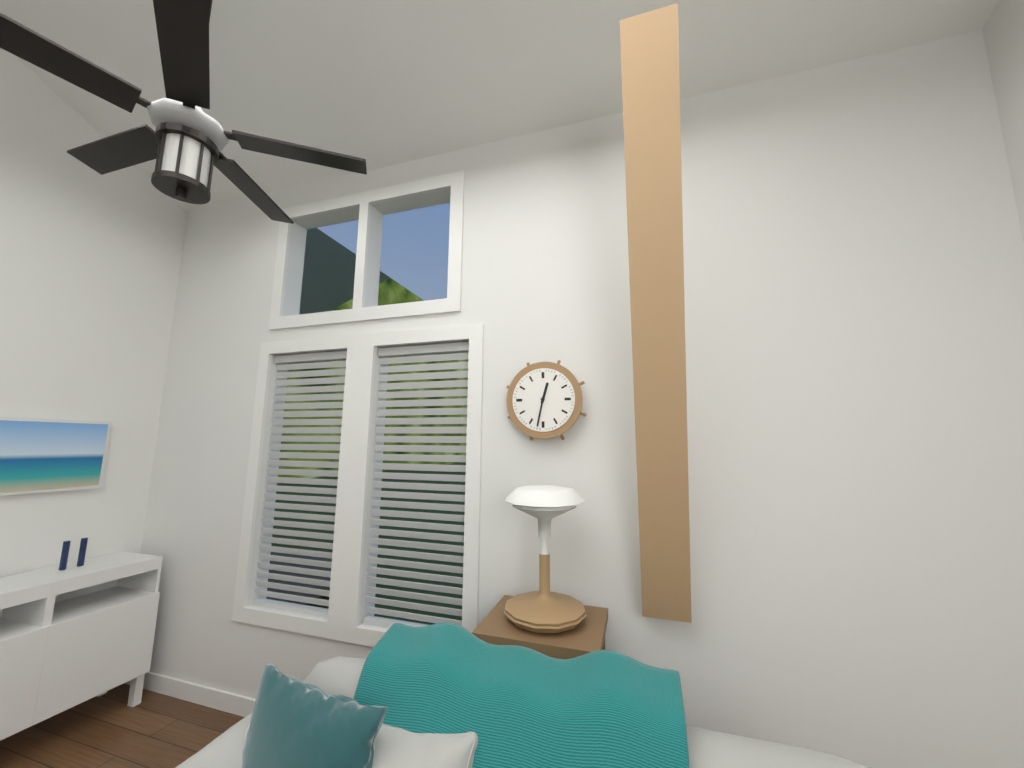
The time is {"hour": 12, "minute": 32}
